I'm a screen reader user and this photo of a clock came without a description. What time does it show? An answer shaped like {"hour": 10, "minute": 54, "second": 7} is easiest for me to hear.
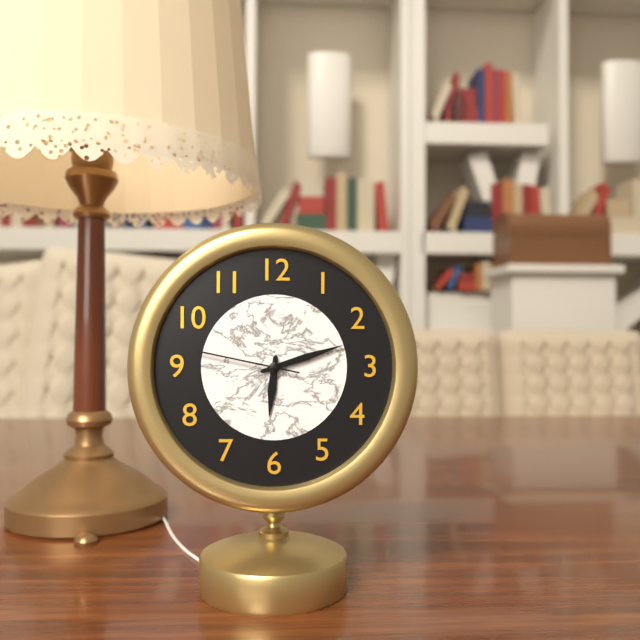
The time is {"hour": 6, "minute": 12, "second": 47}
